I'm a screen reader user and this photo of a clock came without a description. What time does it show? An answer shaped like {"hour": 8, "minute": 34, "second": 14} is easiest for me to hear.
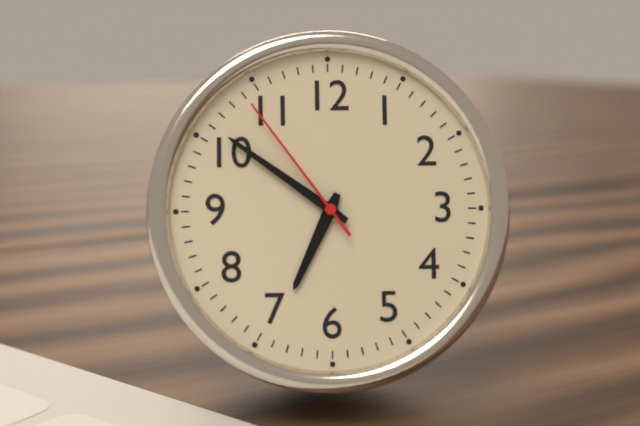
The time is {"hour": 6, "minute": 51, "second": 54}
